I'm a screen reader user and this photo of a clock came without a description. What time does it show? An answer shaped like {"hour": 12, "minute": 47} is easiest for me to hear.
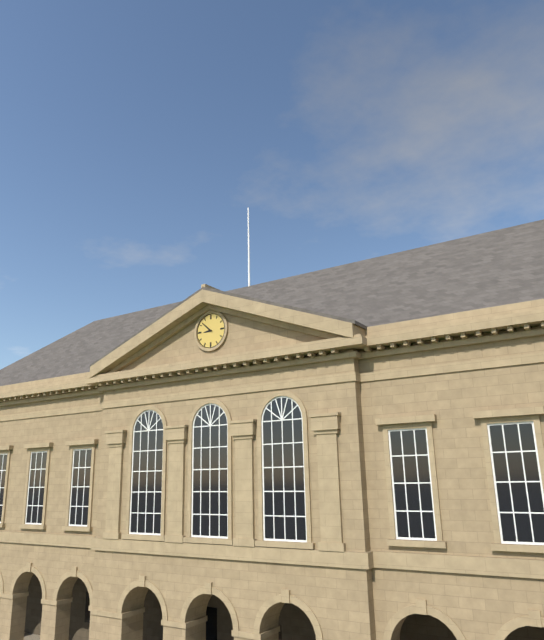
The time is {"hour": 8, "minute": 52}
